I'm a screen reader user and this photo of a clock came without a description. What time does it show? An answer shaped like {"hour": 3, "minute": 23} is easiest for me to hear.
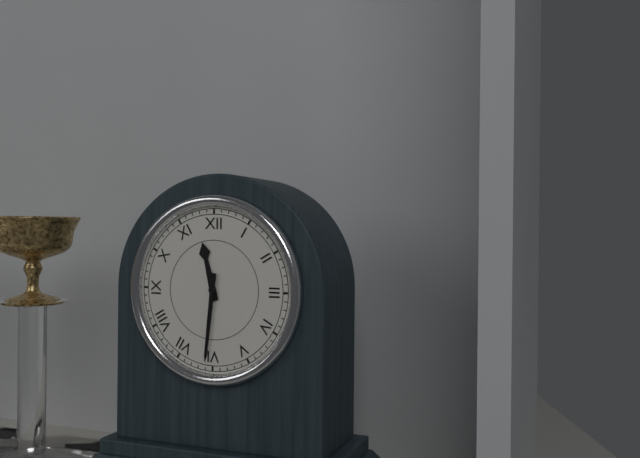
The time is {"hour": 11, "minute": 31}
